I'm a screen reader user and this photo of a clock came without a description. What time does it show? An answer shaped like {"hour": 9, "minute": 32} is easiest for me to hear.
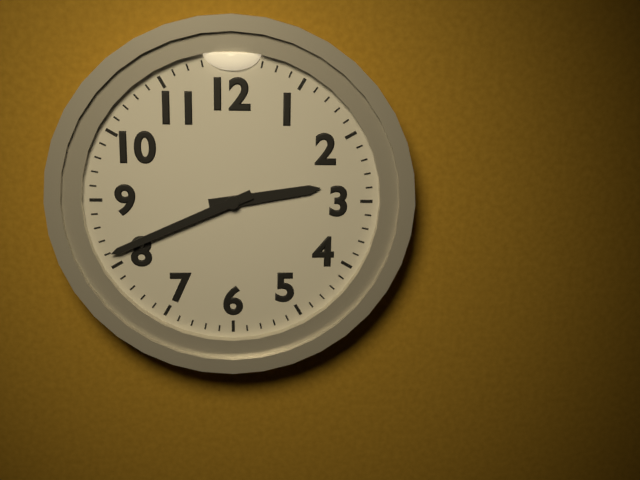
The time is {"hour": 2, "minute": 41}
